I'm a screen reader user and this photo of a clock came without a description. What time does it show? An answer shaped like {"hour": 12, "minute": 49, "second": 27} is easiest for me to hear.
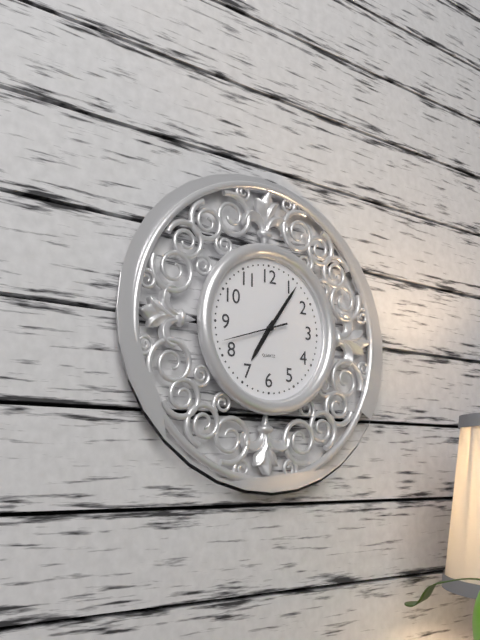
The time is {"hour": 7, "minute": 6, "second": 42}
